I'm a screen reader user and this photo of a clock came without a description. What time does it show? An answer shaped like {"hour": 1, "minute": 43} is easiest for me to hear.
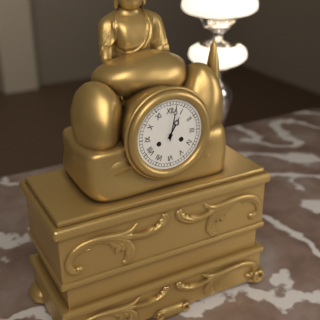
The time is {"hour": 1, "minute": 2}
